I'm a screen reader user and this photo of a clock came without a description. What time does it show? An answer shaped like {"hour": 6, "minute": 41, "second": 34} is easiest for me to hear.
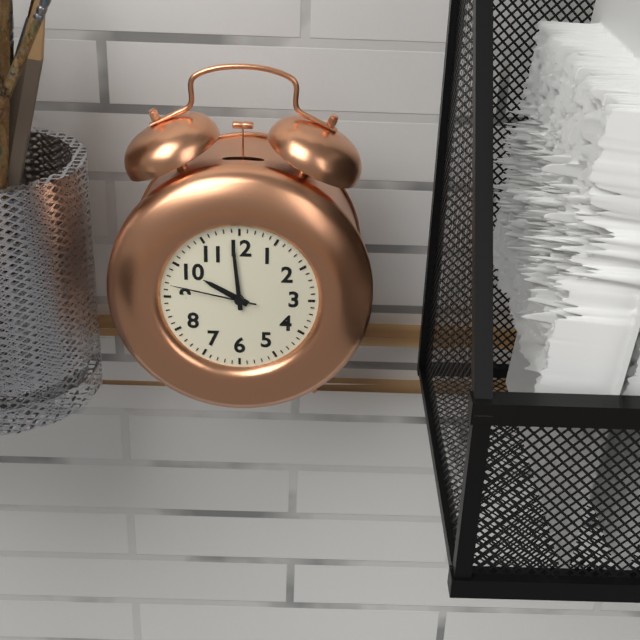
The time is {"hour": 9, "minute": 59, "second": 47}
